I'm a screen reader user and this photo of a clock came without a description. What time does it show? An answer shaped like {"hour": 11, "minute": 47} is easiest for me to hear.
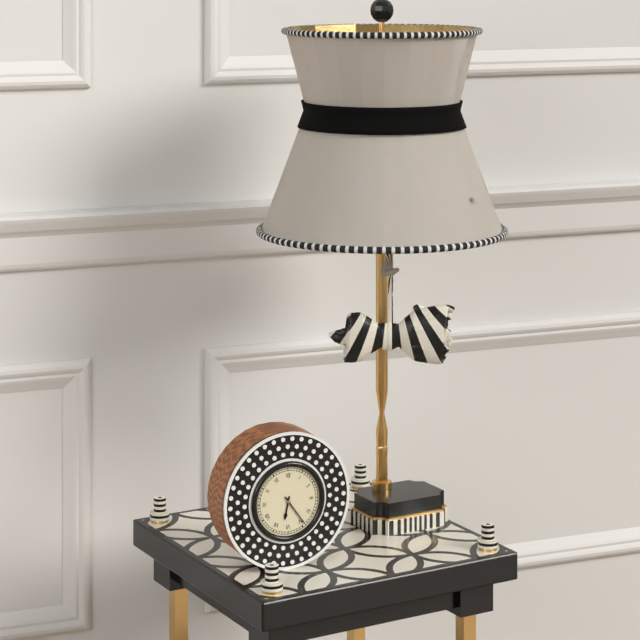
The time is {"hour": 6, "minute": 24}
